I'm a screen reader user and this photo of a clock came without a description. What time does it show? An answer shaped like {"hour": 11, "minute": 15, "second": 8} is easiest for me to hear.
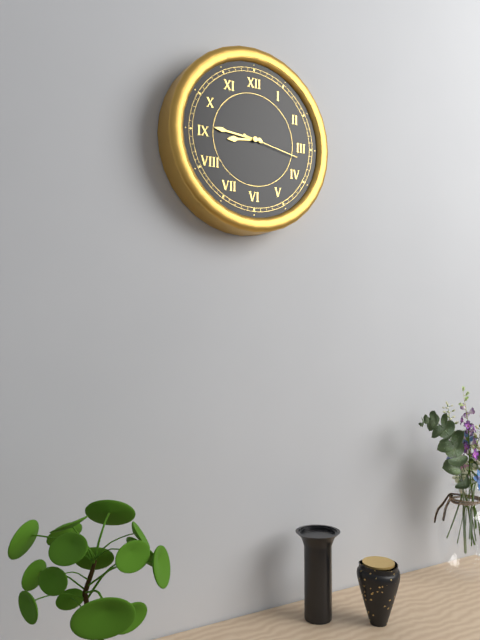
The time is {"hour": 8, "minute": 46, "second": 17}
